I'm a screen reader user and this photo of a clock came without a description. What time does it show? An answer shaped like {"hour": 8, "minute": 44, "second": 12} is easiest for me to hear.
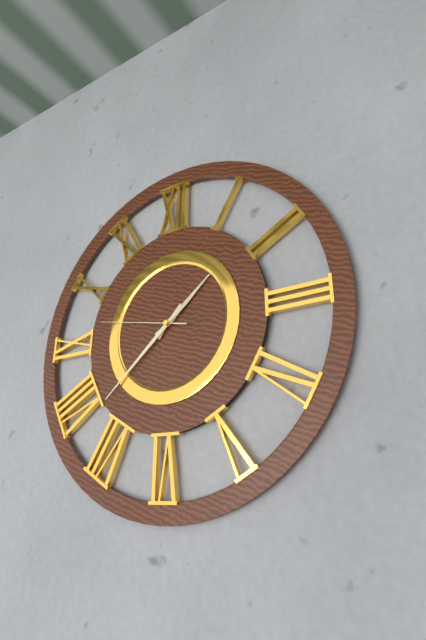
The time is {"hour": 1, "minute": 38, "second": 47}
